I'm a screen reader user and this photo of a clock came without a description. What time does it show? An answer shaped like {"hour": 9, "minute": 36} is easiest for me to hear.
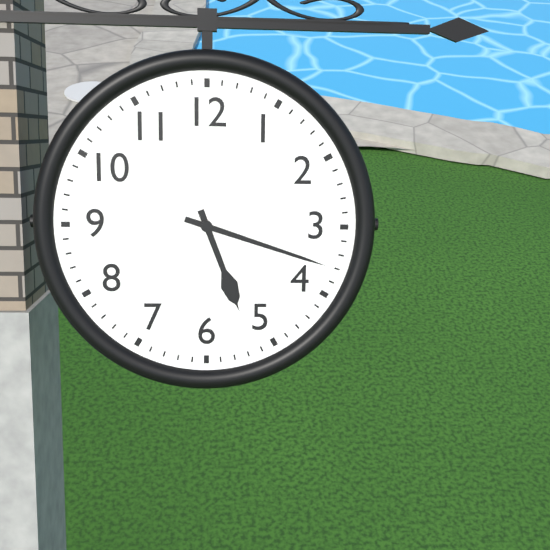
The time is {"hour": 5, "minute": 18}
